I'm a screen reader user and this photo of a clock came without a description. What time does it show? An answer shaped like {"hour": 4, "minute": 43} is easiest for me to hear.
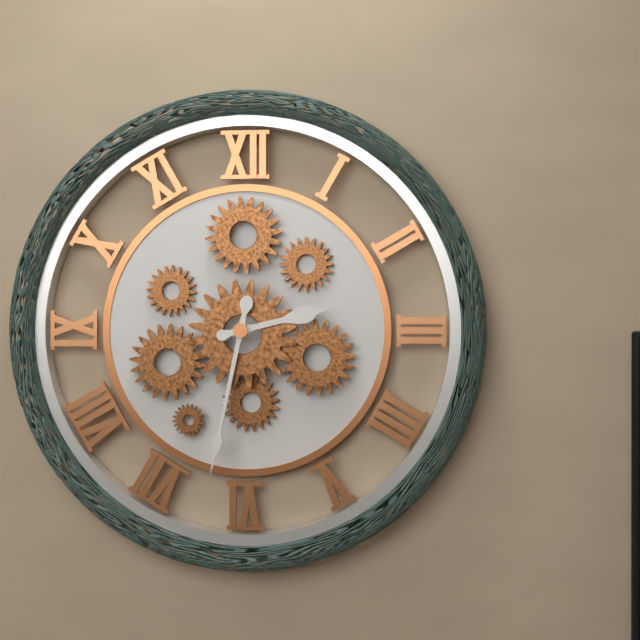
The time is {"hour": 2, "minute": 32}
